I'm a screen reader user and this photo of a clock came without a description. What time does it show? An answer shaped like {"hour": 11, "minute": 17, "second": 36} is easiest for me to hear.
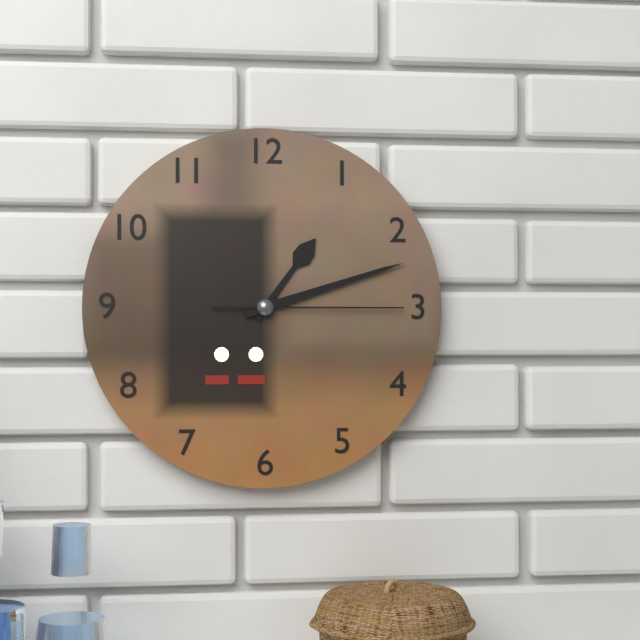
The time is {"hour": 1, "minute": 12, "second": 15}
